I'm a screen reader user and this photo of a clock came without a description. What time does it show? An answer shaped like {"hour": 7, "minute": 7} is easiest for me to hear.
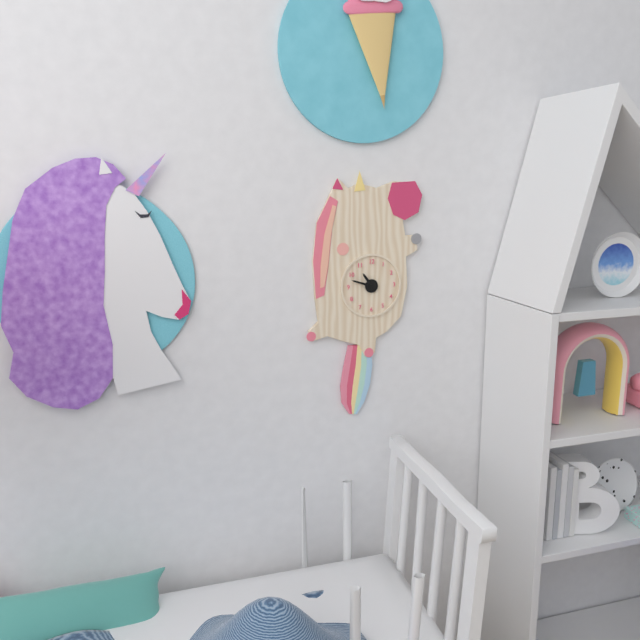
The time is {"hour": 10, "minute": 48}
